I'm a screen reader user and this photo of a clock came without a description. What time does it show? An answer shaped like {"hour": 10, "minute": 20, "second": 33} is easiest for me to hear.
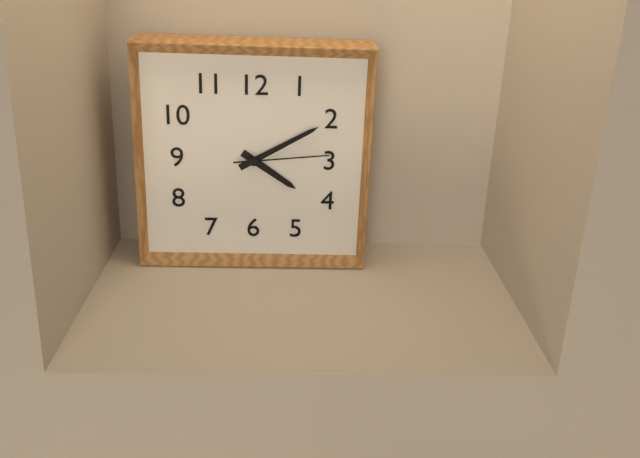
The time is {"hour": 4, "minute": 10, "second": 14}
